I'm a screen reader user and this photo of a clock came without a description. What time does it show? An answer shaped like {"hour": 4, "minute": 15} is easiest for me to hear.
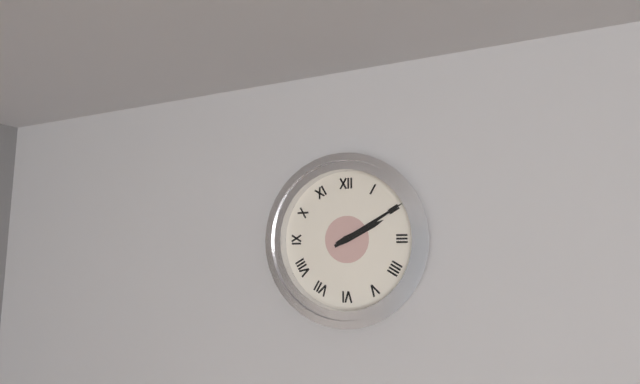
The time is {"hour": 2, "minute": 10}
